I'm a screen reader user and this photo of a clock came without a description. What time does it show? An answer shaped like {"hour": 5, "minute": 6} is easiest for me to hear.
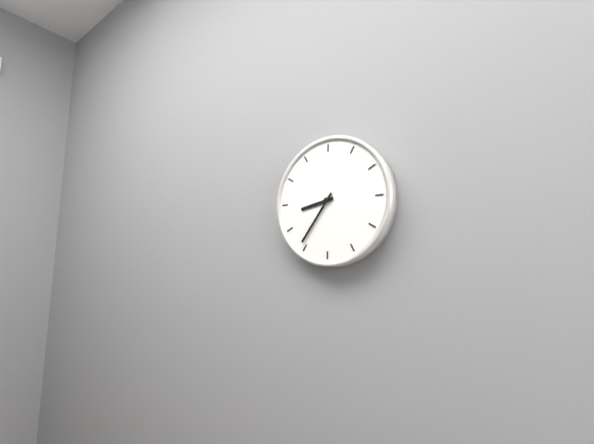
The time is {"hour": 8, "minute": 36}
